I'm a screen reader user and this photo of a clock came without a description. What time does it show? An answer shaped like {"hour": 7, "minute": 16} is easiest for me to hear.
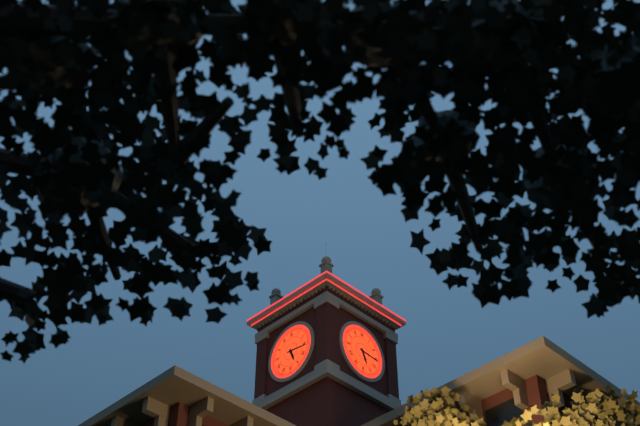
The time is {"hour": 5, "minute": 16}
